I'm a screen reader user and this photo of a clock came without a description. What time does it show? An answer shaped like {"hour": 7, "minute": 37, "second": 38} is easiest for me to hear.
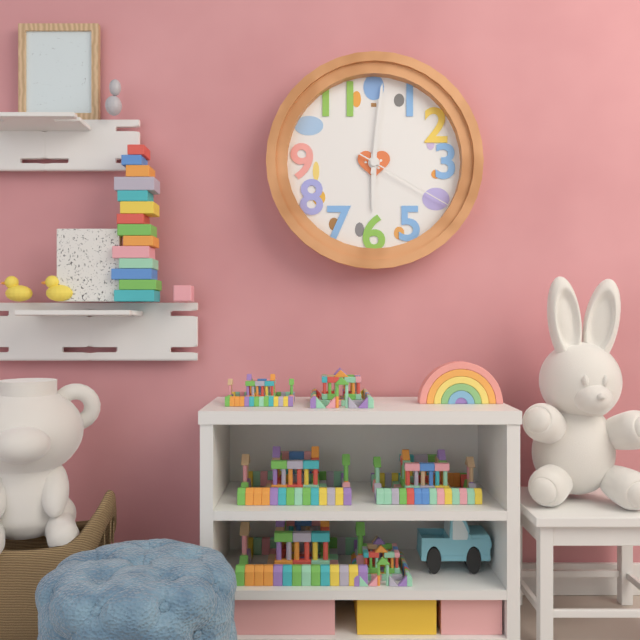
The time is {"hour": 6, "minute": 1, "second": 20}
